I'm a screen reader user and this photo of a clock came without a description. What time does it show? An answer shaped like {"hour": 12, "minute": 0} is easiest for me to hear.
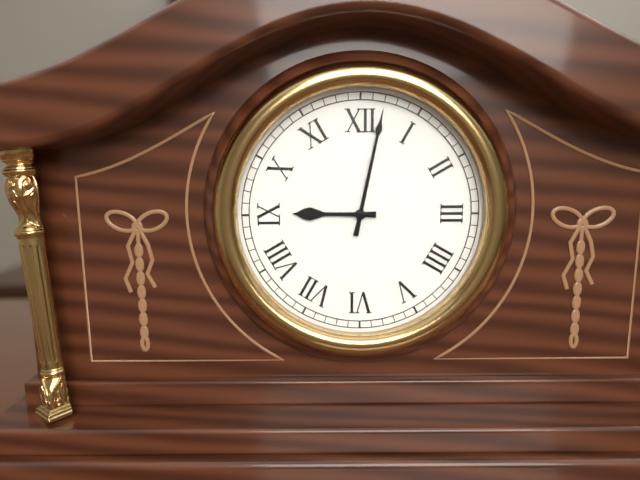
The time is {"hour": 9, "minute": 2}
